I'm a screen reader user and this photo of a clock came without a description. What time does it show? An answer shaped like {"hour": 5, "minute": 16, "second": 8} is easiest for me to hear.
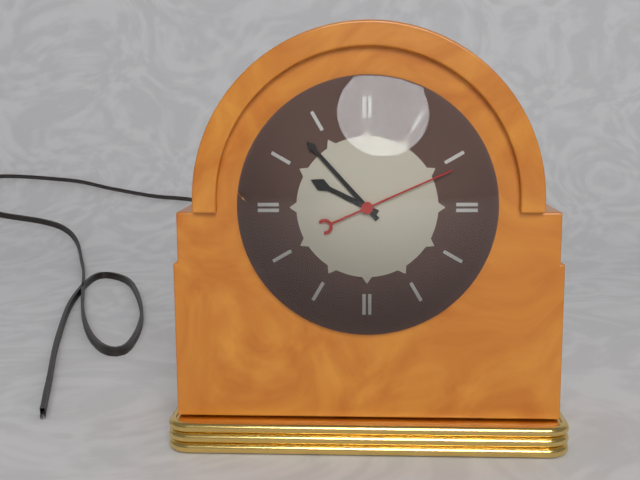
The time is {"hour": 9, "minute": 53, "second": 11}
